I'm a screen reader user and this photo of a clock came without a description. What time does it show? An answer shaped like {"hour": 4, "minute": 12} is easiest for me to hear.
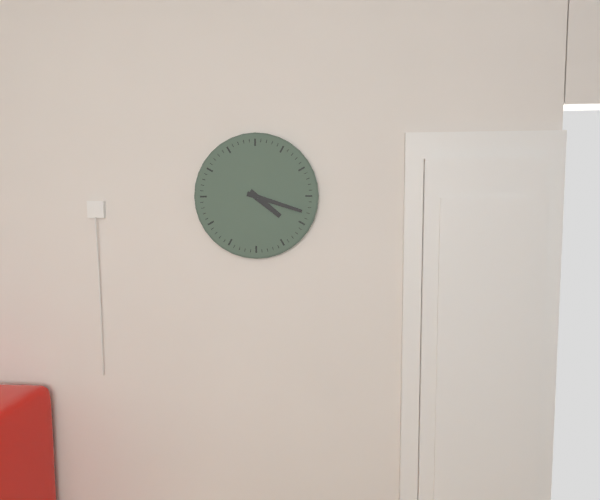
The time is {"hour": 4, "minute": 18}
